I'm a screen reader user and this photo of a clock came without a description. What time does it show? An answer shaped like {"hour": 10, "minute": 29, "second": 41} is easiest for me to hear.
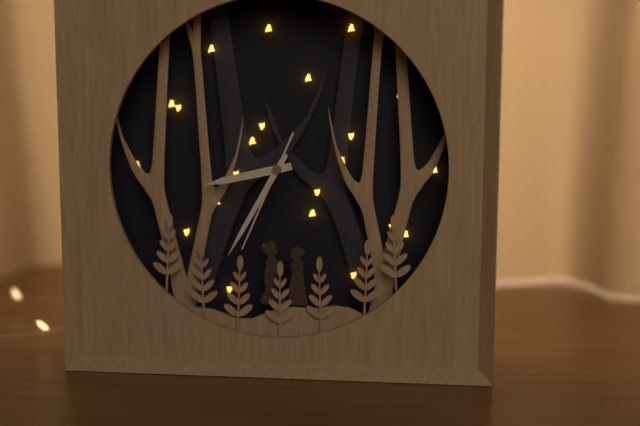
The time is {"hour": 8, "minute": 35, "second": 34}
